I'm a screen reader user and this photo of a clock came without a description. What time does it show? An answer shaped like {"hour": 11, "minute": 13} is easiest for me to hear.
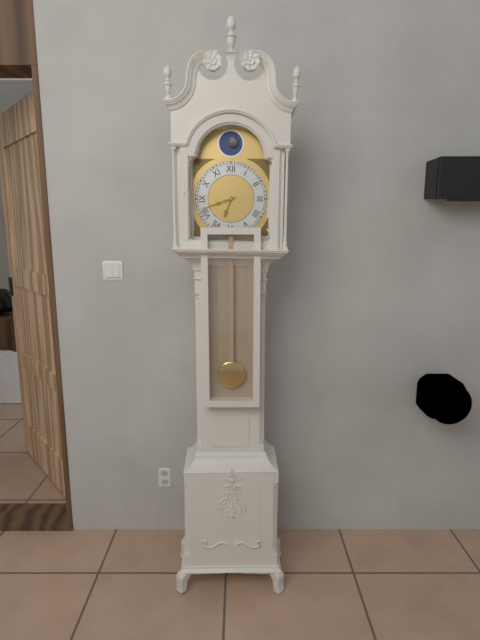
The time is {"hour": 6, "minute": 42}
